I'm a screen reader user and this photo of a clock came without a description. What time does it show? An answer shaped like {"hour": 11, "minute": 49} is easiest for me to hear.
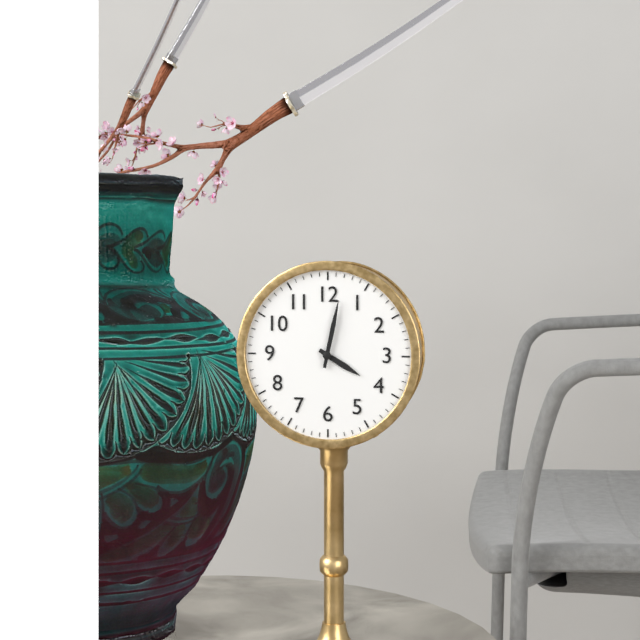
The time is {"hour": 4, "minute": 2}
